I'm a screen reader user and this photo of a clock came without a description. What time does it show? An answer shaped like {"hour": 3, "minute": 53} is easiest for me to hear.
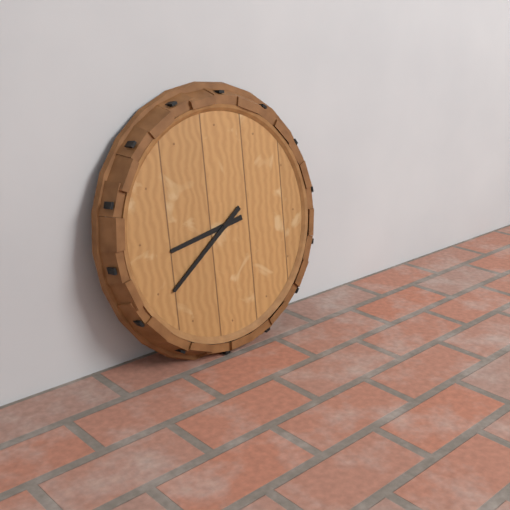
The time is {"hour": 8, "minute": 39}
